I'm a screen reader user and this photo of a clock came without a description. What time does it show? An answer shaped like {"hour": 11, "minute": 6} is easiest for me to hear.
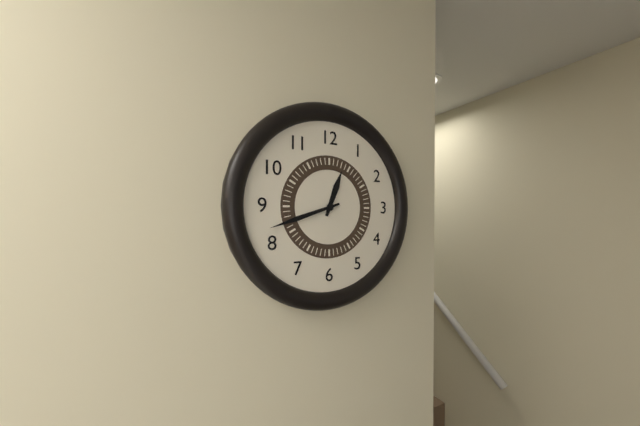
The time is {"hour": 12, "minute": 42}
